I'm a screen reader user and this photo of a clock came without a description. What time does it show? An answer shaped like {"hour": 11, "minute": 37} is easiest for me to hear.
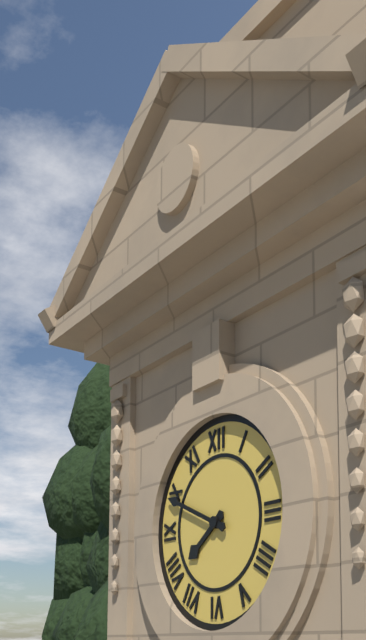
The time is {"hour": 7, "minute": 49}
